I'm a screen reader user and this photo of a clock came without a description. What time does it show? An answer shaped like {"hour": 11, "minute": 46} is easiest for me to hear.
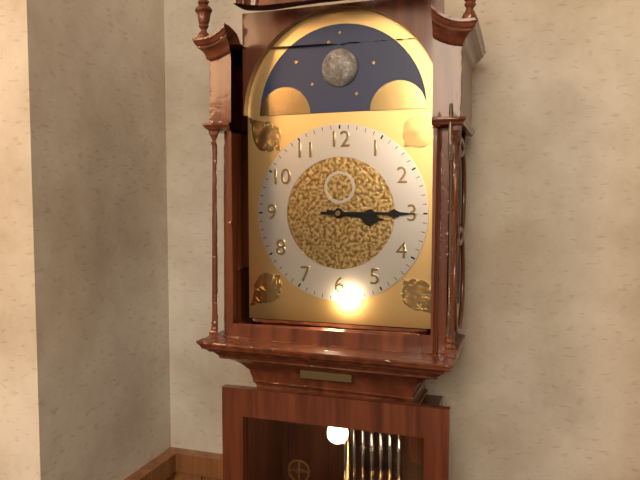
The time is {"hour": 3, "minute": 15}
